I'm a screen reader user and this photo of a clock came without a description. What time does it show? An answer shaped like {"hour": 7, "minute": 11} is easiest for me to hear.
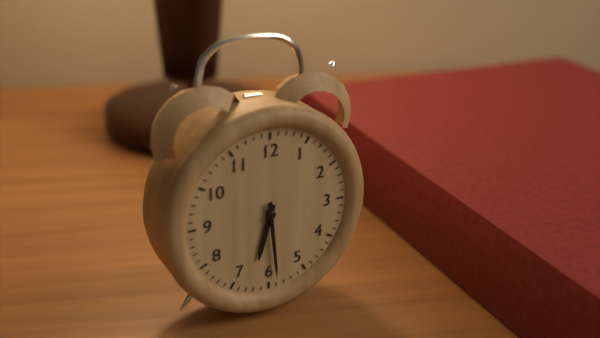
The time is {"hour": 6, "minute": 29}
